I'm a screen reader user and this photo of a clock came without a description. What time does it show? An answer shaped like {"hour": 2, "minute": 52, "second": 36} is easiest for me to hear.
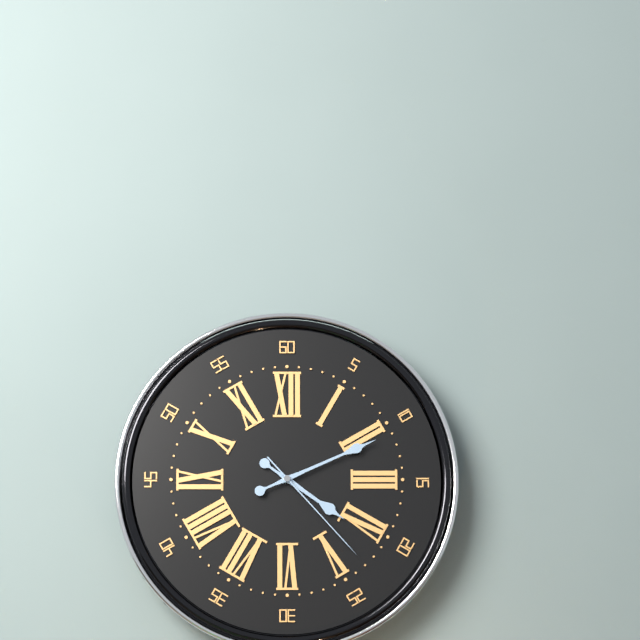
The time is {"hour": 4, "minute": 11, "second": 23}
